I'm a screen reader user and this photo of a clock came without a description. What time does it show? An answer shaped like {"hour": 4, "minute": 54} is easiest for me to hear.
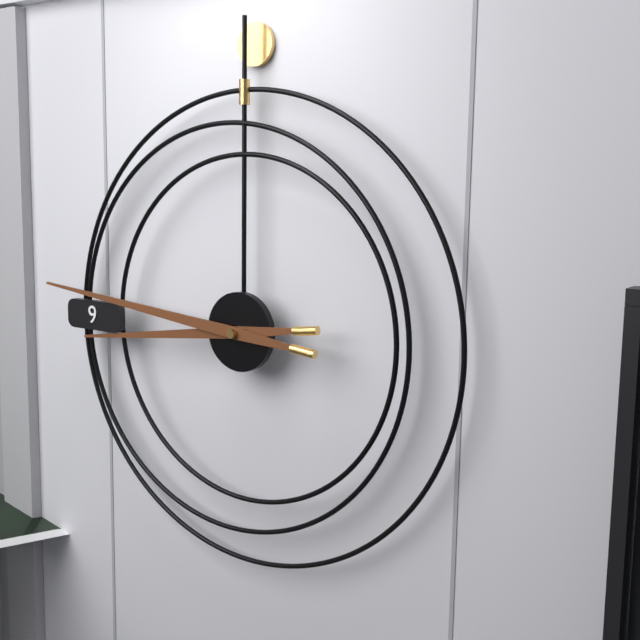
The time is {"hour": 8, "minute": 46}
